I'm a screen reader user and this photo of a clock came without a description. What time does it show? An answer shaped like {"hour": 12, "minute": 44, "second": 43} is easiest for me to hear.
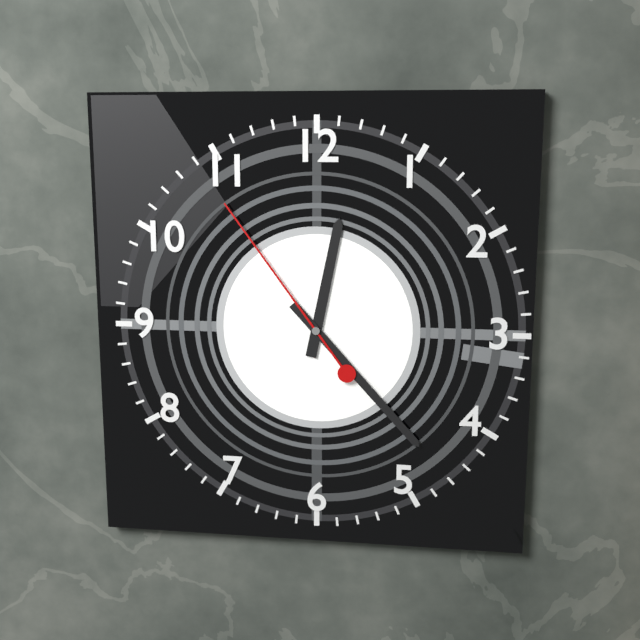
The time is {"hour": 12, "minute": 23, "second": 54}
